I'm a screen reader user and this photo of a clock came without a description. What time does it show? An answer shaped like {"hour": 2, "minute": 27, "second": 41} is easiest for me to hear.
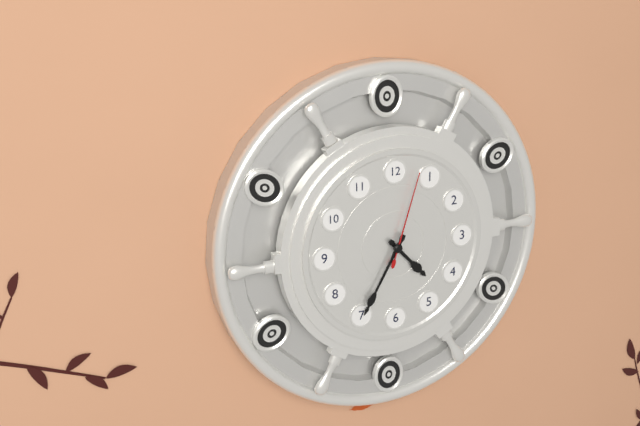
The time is {"hour": 4, "minute": 35, "second": 3}
